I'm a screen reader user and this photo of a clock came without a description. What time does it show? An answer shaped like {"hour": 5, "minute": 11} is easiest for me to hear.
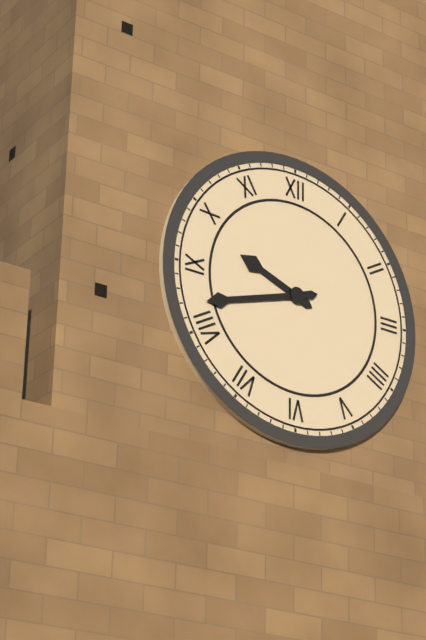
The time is {"hour": 9, "minute": 42}
